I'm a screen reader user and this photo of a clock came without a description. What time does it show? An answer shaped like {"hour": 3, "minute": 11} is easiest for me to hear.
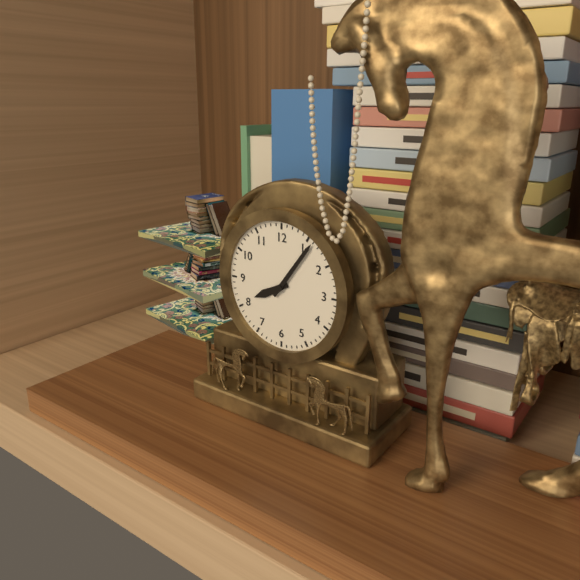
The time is {"hour": 8, "minute": 6}
